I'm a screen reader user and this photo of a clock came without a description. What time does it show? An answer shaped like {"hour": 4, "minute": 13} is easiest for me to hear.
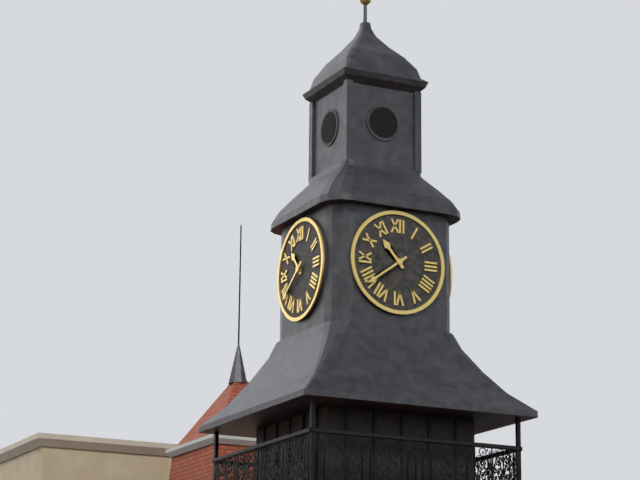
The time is {"hour": 10, "minute": 39}
